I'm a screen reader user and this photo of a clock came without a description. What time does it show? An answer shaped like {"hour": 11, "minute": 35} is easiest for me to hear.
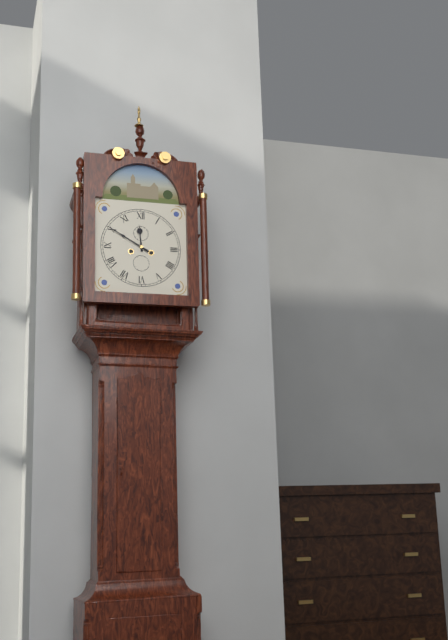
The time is {"hour": 11, "minute": 50}
